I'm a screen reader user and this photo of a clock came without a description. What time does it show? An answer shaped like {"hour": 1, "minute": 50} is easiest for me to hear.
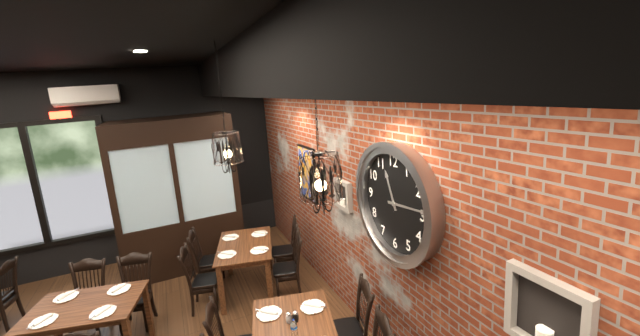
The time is {"hour": 11, "minute": 14}
